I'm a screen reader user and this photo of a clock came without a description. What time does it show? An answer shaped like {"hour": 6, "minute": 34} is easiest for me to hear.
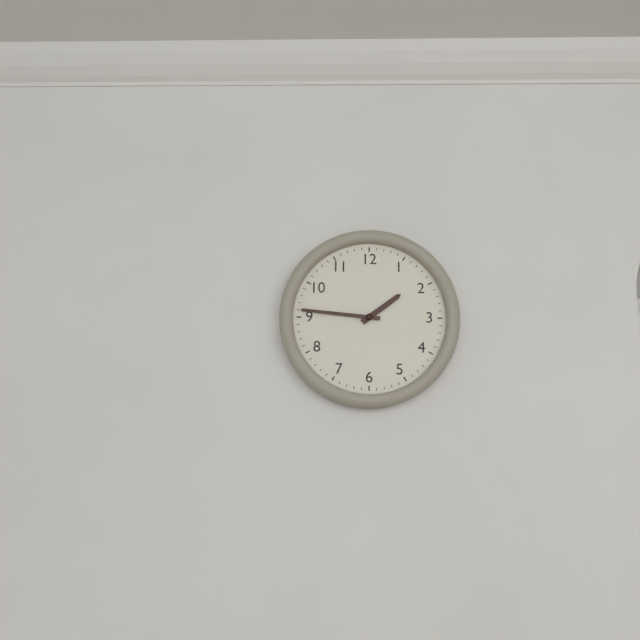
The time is {"hour": 1, "minute": 46}
